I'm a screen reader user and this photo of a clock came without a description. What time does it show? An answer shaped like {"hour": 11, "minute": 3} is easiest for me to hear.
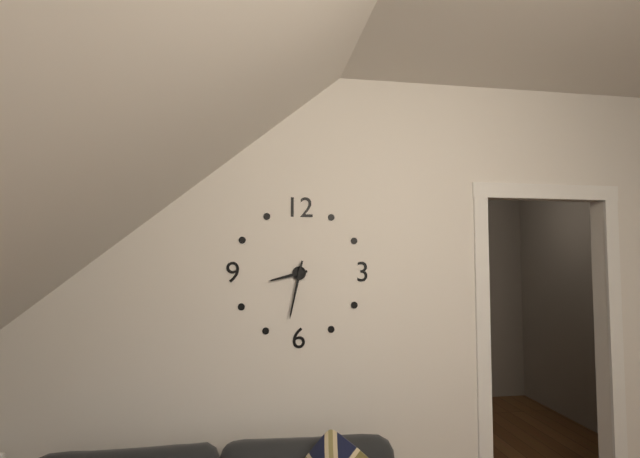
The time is {"hour": 8, "minute": 32}
